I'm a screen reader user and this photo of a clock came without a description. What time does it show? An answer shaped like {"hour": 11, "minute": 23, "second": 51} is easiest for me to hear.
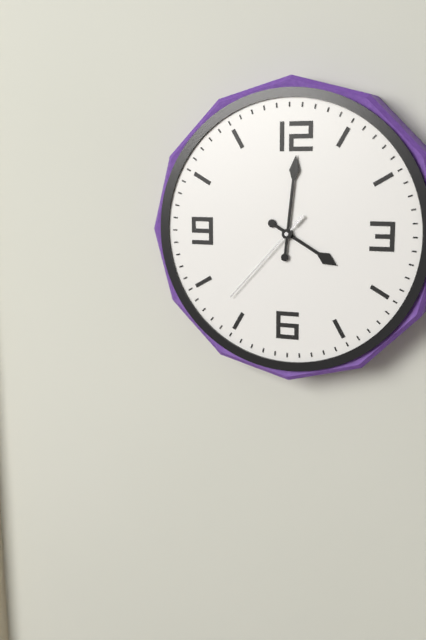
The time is {"hour": 4, "minute": 1, "second": 37}
